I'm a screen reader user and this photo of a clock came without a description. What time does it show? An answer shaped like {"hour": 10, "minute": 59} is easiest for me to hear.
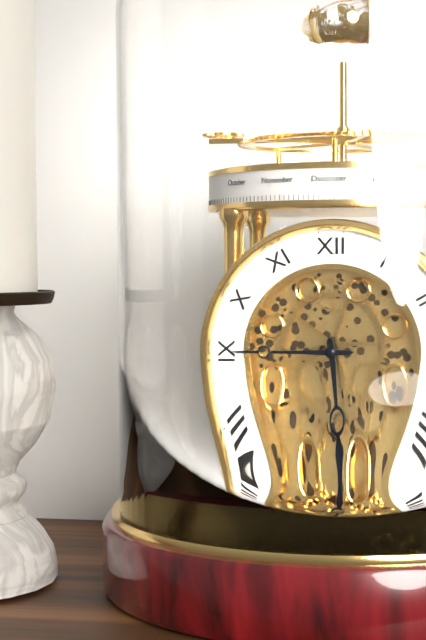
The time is {"hour": 5, "minute": 45}
